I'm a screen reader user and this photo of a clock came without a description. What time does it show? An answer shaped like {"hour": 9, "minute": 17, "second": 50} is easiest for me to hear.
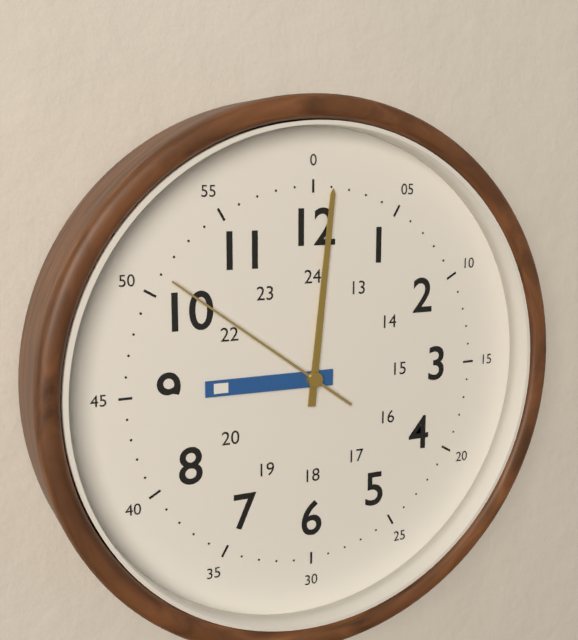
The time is {"hour": 9, "minute": 1, "second": 51}
